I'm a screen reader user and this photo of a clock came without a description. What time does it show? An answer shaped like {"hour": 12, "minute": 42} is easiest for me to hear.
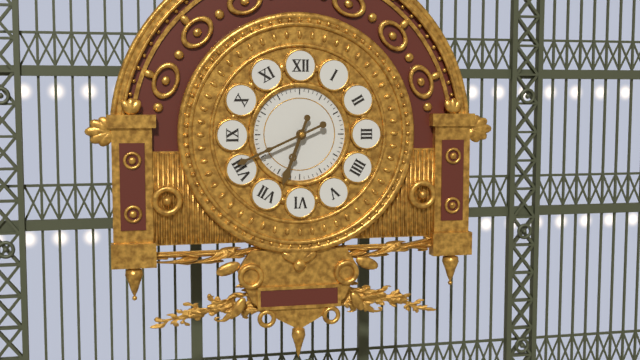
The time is {"hour": 6, "minute": 41}
